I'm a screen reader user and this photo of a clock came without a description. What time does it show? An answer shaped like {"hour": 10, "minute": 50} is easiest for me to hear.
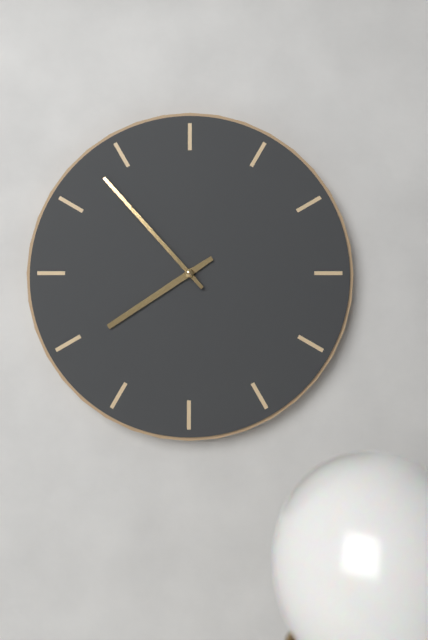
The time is {"hour": 7, "minute": 53}
